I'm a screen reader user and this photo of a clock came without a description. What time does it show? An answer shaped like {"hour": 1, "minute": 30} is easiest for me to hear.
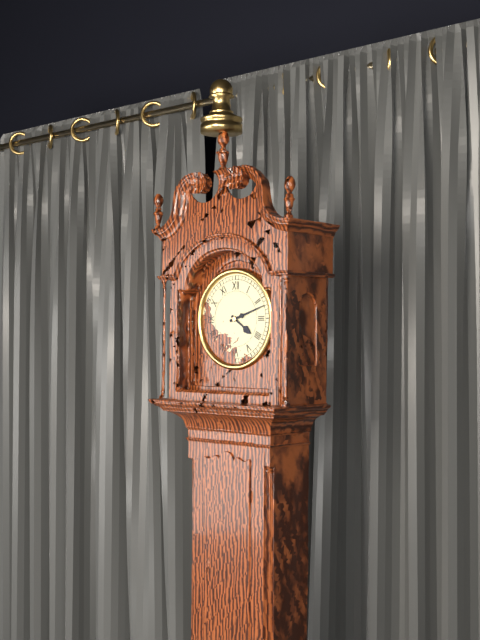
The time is {"hour": 4, "minute": 12}
